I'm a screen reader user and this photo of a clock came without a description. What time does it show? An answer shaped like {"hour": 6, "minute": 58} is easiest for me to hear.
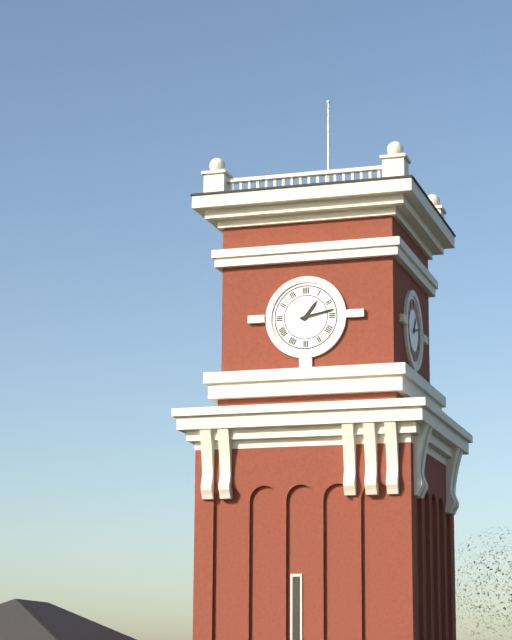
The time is {"hour": 1, "minute": 13}
